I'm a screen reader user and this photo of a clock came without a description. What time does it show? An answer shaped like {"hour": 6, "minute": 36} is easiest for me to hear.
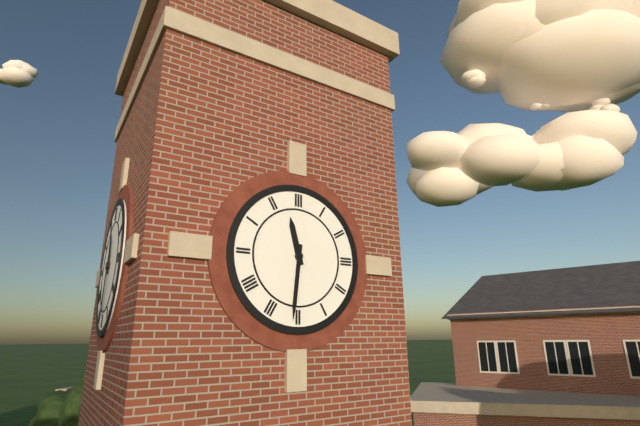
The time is {"hour": 11, "minute": 31}
